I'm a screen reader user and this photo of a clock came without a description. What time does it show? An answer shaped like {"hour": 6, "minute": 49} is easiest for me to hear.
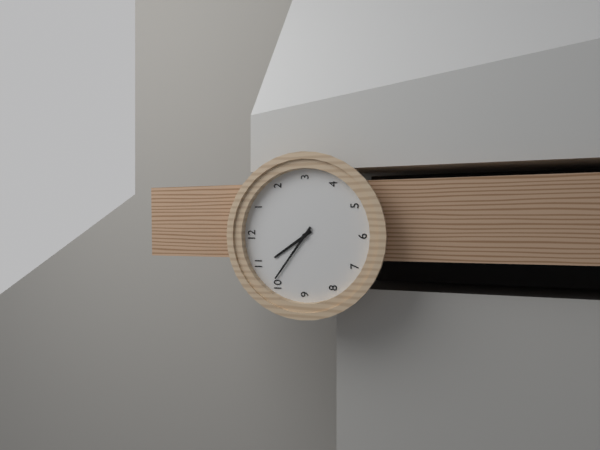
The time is {"hour": 10, "minute": 51}
